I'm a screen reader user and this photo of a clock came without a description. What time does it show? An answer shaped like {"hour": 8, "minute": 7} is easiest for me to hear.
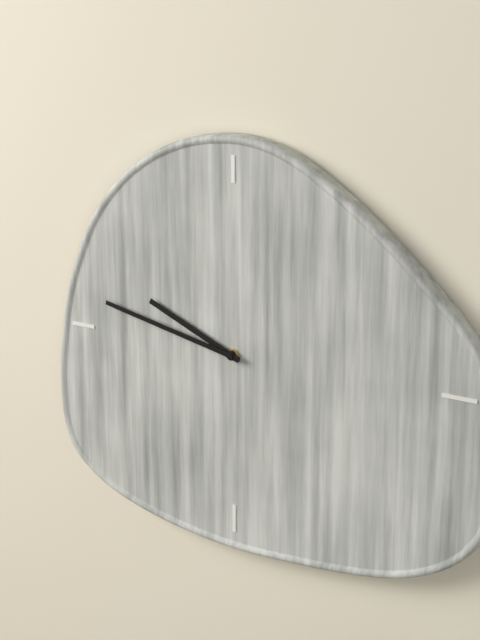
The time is {"hour": 9, "minute": 47}
